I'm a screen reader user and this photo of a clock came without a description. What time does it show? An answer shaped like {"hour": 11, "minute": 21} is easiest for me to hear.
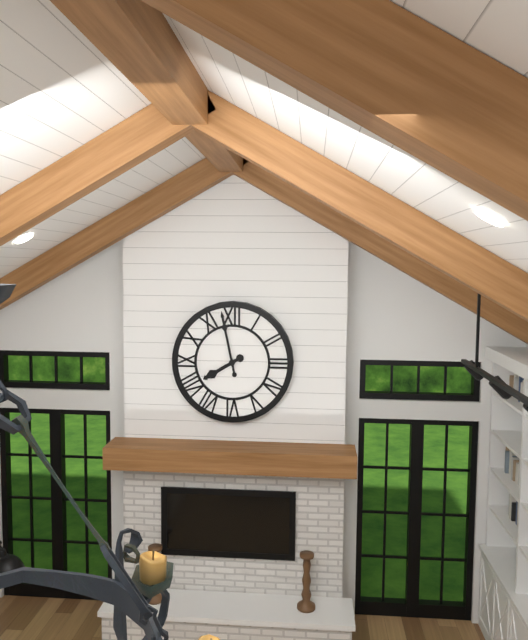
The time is {"hour": 7, "minute": 58}
